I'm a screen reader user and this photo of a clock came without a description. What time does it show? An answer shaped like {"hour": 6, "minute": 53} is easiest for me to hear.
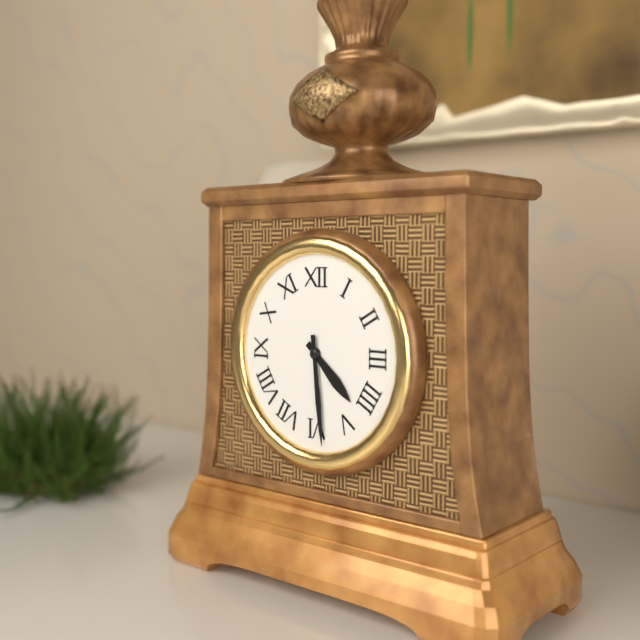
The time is {"hour": 4, "minute": 29}
